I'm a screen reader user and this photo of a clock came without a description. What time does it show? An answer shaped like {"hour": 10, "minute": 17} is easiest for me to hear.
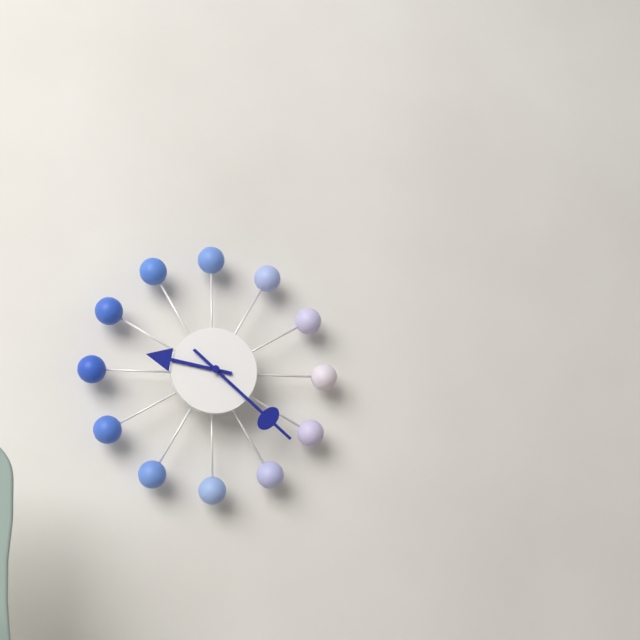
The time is {"hour": 9, "minute": 22}
